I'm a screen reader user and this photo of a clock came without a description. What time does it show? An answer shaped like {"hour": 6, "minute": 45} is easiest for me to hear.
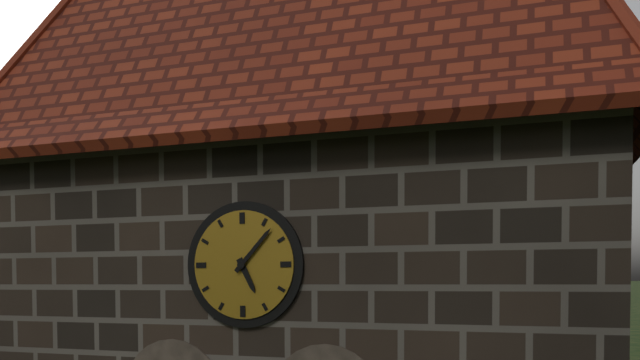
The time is {"hour": 5, "minute": 7}
